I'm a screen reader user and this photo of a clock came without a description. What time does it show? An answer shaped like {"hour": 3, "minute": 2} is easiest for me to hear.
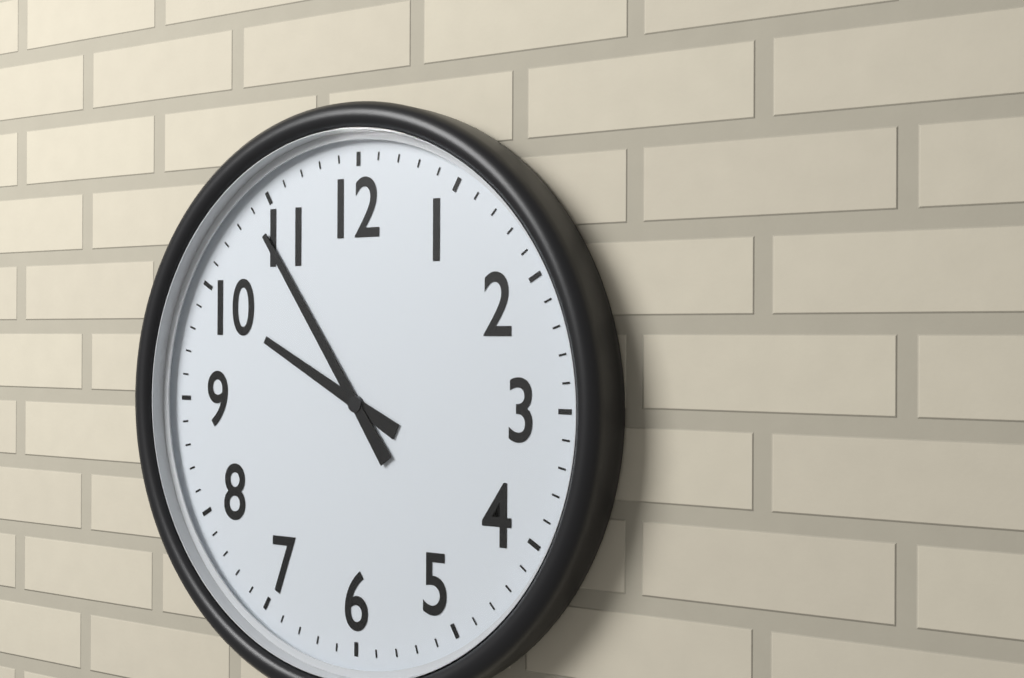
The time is {"hour": 9, "minute": 54}
